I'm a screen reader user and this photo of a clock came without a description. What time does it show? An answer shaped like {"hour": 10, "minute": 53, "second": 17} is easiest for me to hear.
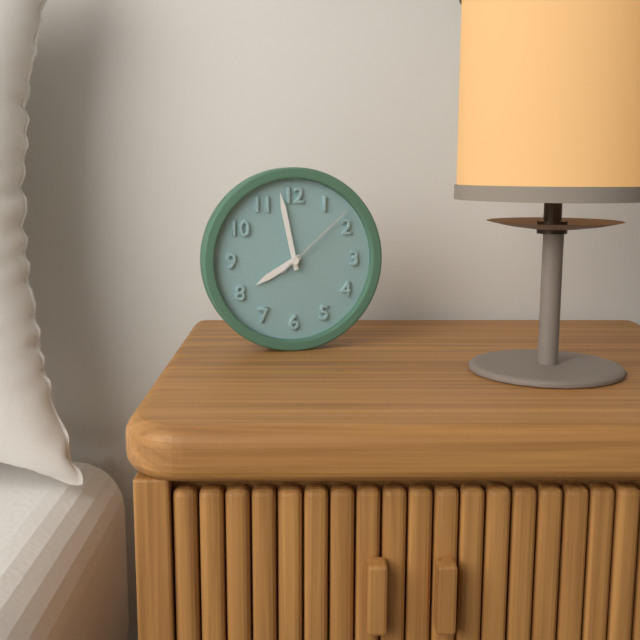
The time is {"hour": 7, "minute": 58, "second": 8}
